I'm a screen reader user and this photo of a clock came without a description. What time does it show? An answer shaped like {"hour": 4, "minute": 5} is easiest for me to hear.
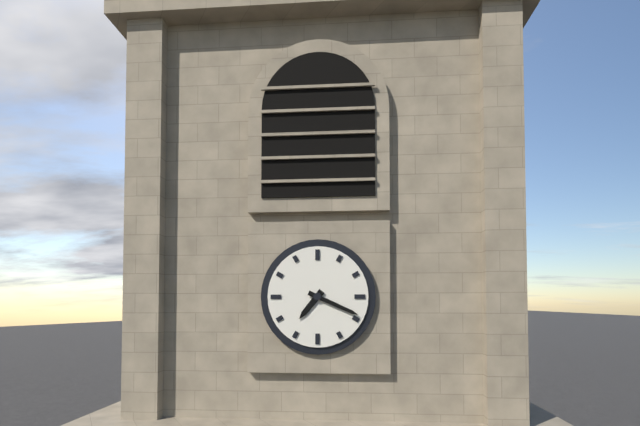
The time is {"hour": 7, "minute": 19}
